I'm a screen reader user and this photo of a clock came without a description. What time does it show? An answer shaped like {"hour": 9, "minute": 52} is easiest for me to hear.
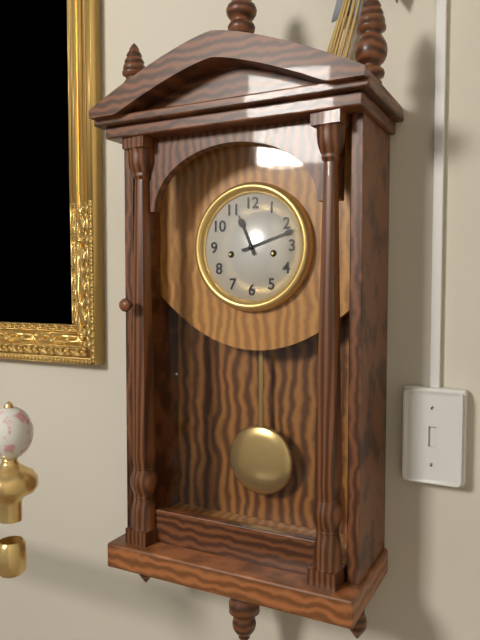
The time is {"hour": 11, "minute": 12}
